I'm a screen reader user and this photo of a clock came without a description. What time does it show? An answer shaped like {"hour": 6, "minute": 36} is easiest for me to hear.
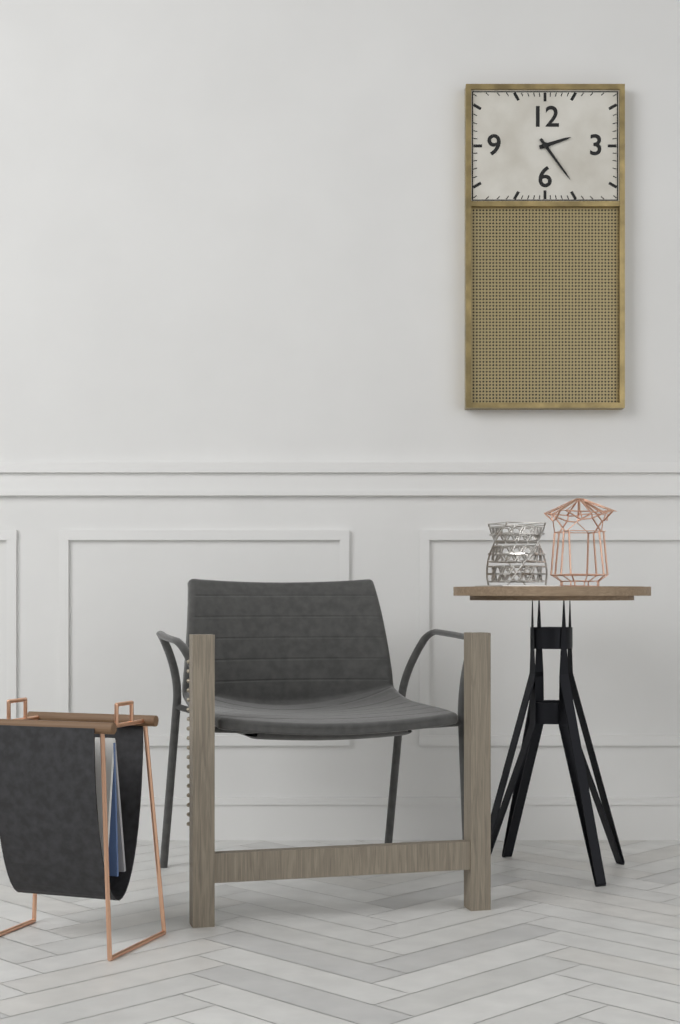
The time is {"hour": 2, "minute": 24}
